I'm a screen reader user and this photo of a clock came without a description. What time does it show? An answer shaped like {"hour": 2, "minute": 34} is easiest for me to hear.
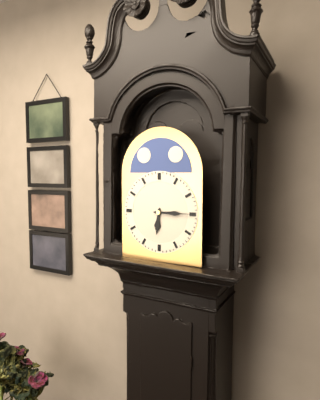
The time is {"hour": 6, "minute": 15}
